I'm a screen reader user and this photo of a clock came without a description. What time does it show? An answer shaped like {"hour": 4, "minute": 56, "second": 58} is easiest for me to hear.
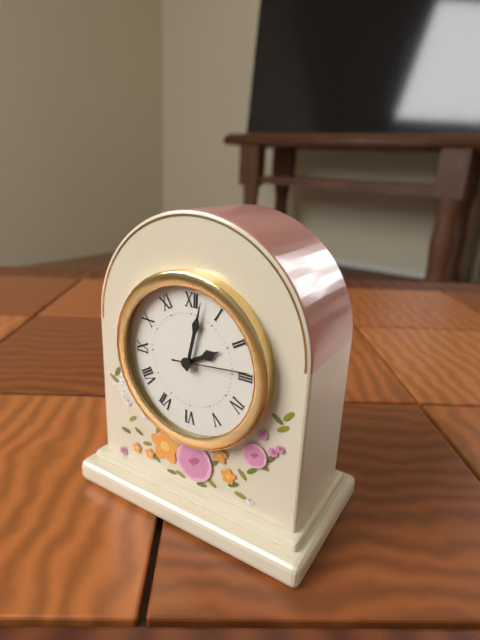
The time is {"hour": 2, "minute": 2, "second": 14}
